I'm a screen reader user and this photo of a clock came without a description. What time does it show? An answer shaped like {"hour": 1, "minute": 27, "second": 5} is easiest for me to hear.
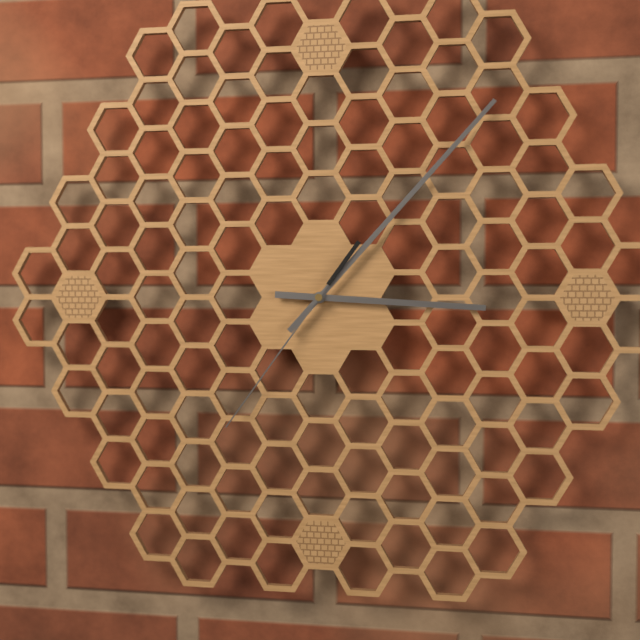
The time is {"hour": 3, "minute": 7, "second": 36}
